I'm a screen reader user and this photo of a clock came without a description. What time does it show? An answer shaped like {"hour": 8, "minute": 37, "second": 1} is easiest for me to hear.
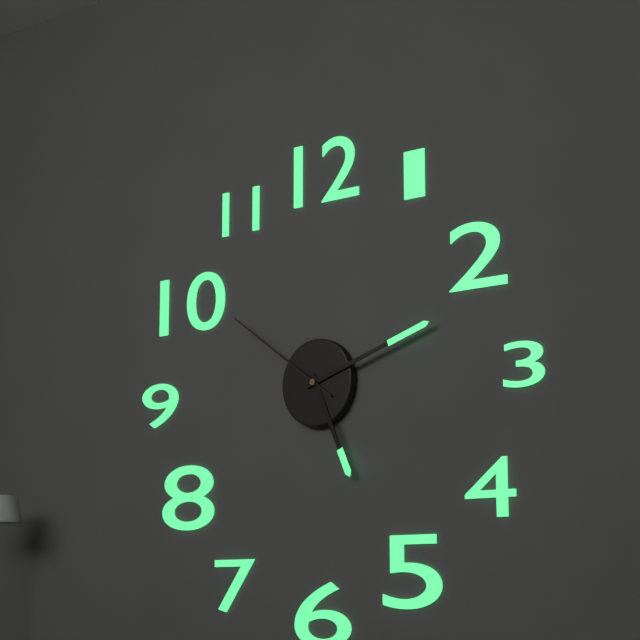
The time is {"hour": 5, "minute": 12, "second": 51}
